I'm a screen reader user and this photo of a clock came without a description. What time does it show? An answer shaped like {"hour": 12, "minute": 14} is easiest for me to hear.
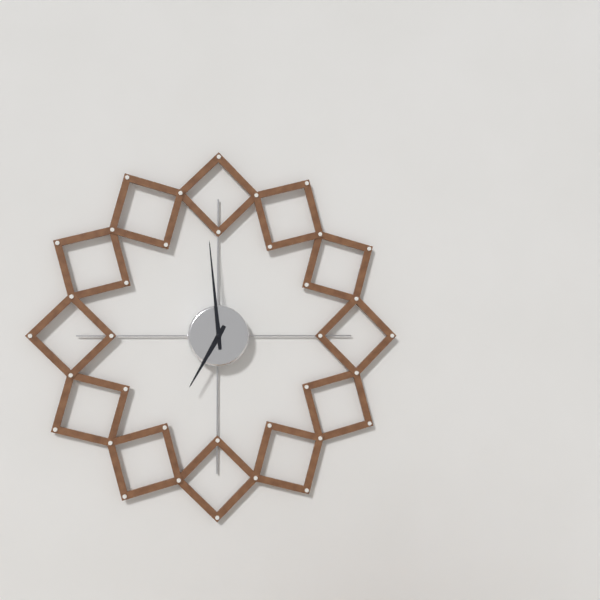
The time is {"hour": 6, "minute": 59}
